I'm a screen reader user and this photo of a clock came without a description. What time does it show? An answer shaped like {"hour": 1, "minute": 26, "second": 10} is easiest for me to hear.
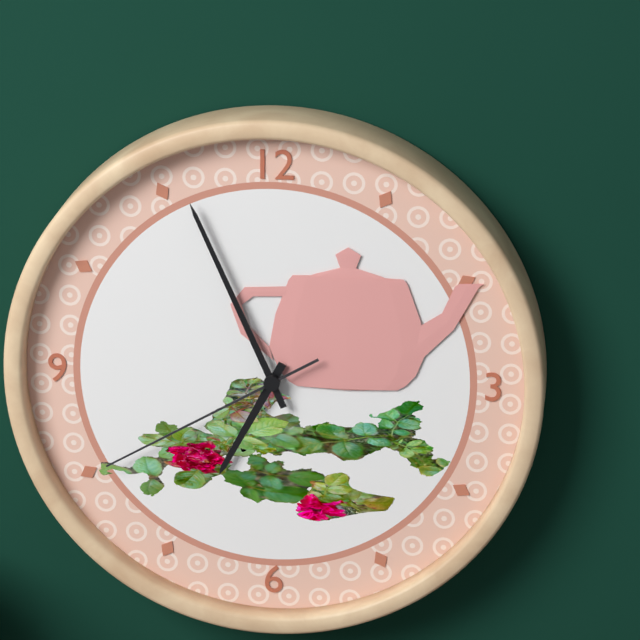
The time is {"hour": 6, "minute": 56, "second": 40}
